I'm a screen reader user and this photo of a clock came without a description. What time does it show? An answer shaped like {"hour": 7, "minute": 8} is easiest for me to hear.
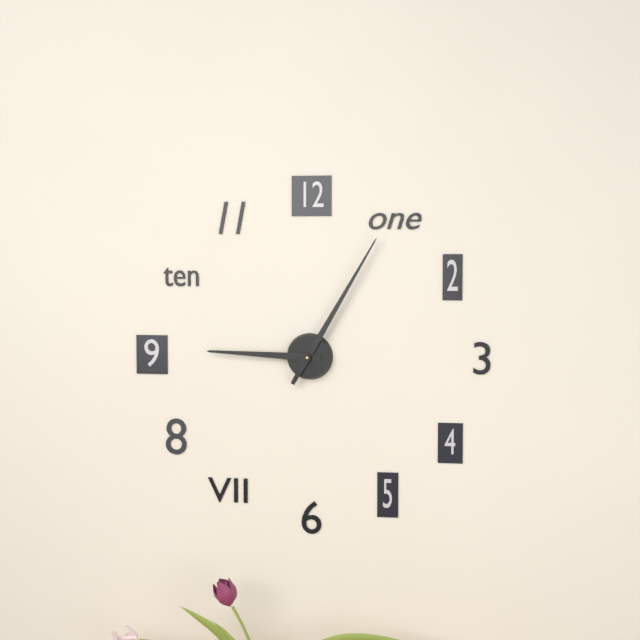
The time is {"hour": 9, "minute": 5}
